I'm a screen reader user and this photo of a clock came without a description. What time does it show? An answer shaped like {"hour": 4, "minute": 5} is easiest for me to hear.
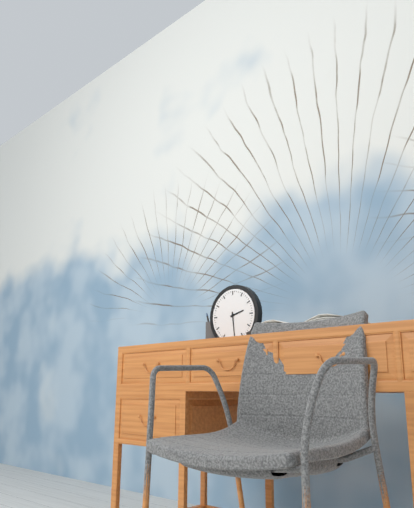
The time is {"hour": 2, "minute": 29}
